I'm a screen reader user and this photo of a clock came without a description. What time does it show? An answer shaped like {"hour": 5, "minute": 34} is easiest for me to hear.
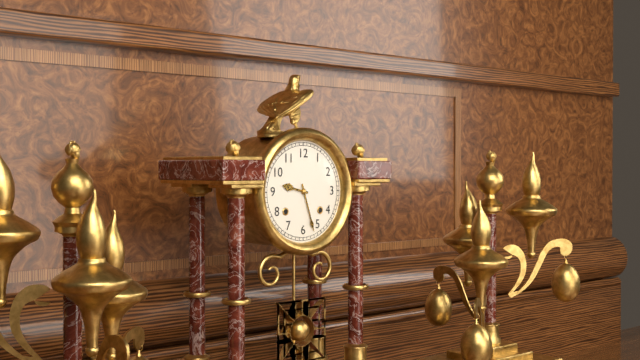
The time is {"hour": 9, "minute": 27}
